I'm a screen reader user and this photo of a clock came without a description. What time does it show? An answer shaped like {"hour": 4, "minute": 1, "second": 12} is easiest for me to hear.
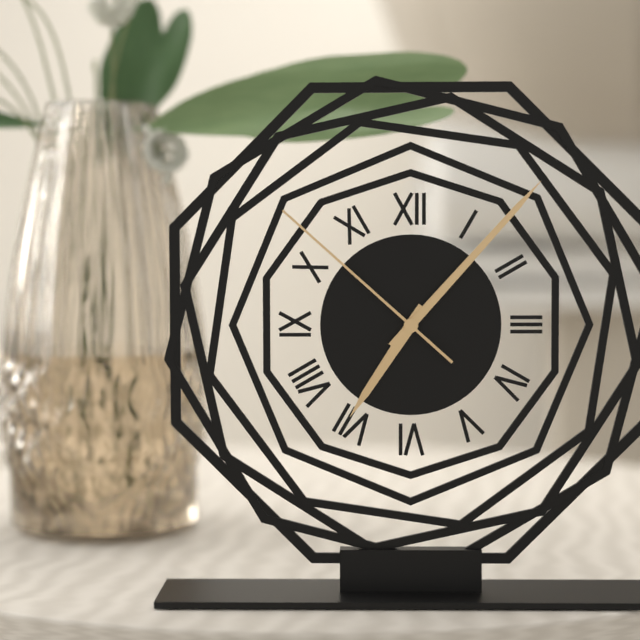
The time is {"hour": 7, "minute": 7, "second": 52}
